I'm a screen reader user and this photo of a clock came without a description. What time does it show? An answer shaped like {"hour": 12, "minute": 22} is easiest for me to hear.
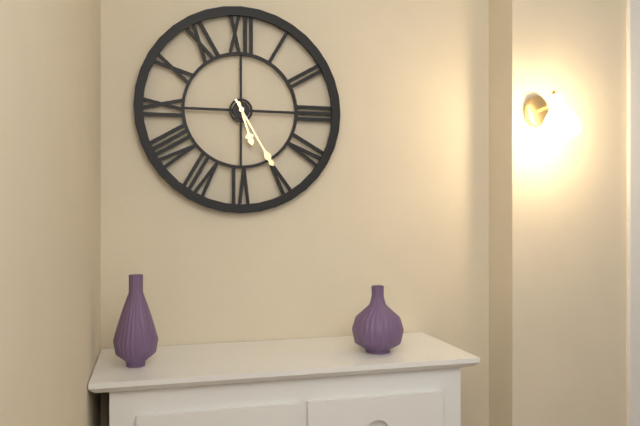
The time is {"hour": 5, "minute": 25}
